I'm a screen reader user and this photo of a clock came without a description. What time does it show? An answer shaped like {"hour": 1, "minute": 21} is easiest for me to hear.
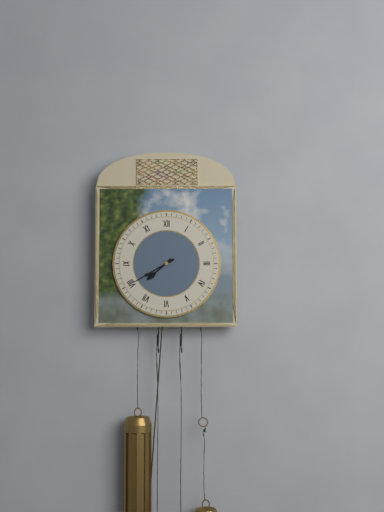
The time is {"hour": 7, "minute": 40}
